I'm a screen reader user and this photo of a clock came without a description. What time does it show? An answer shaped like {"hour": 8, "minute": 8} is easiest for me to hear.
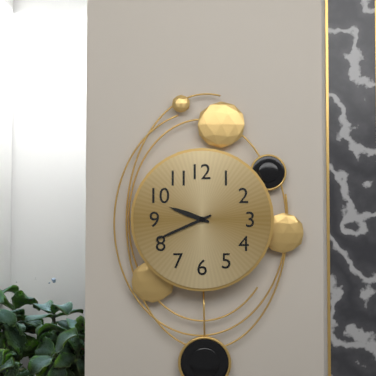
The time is {"hour": 9, "minute": 41}
